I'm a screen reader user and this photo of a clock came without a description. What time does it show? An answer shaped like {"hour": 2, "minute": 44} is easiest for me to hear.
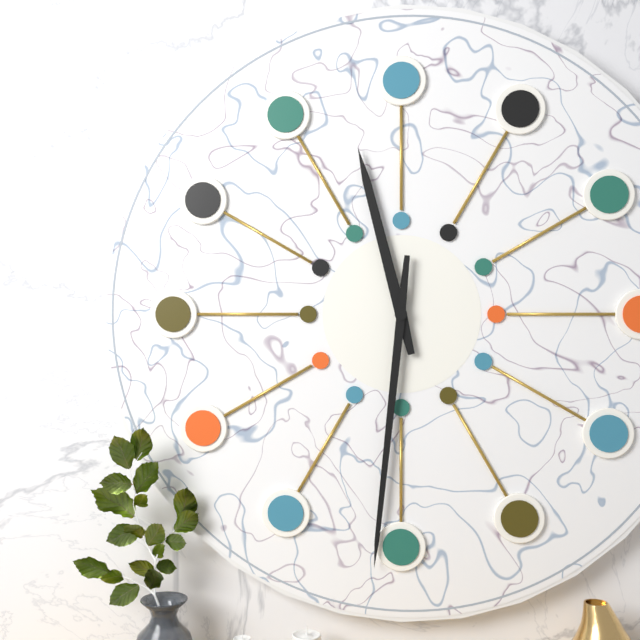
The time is {"hour": 11, "minute": 31}
